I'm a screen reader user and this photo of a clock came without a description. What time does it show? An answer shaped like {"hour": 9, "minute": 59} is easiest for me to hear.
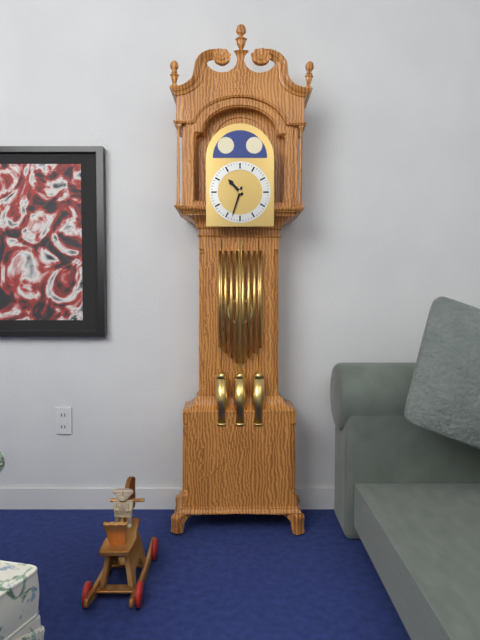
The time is {"hour": 10, "minute": 33}
